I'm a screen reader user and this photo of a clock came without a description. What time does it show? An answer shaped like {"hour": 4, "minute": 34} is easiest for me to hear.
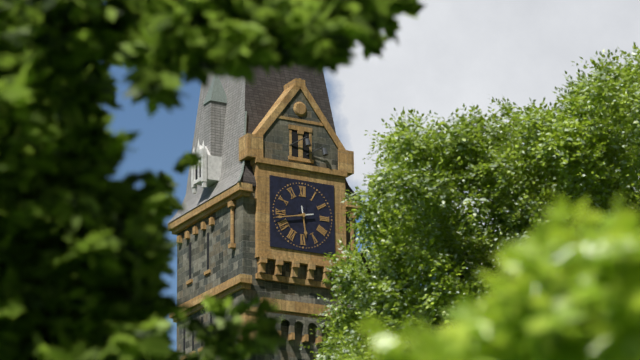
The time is {"hour": 5, "minute": 43}
